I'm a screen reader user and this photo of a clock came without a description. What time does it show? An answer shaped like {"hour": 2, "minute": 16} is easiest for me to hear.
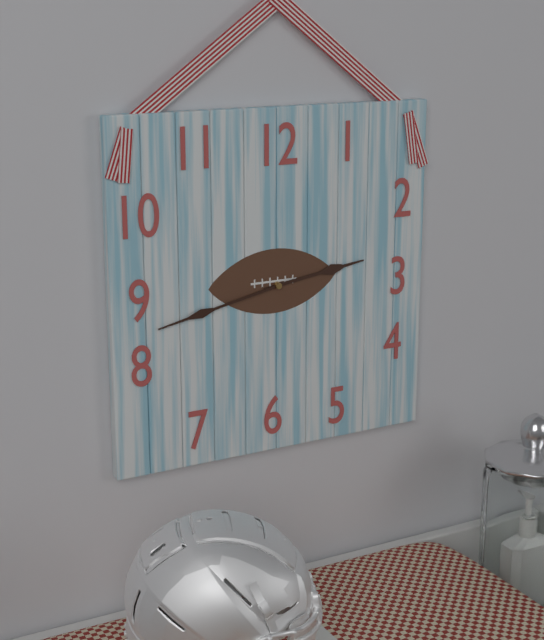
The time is {"hour": 2, "minute": 43}
